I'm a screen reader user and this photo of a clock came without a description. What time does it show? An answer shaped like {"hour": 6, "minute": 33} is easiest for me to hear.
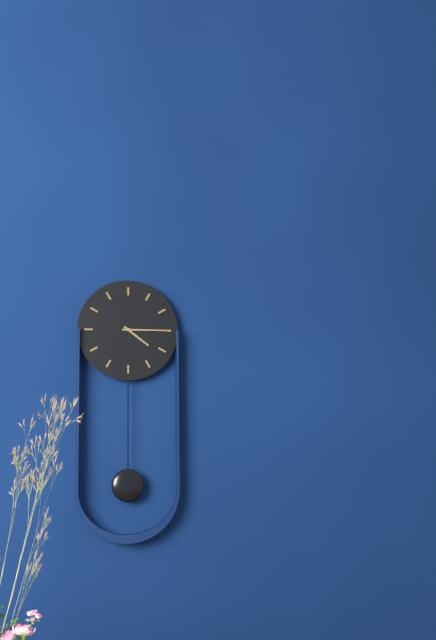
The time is {"hour": 4, "minute": 15}
